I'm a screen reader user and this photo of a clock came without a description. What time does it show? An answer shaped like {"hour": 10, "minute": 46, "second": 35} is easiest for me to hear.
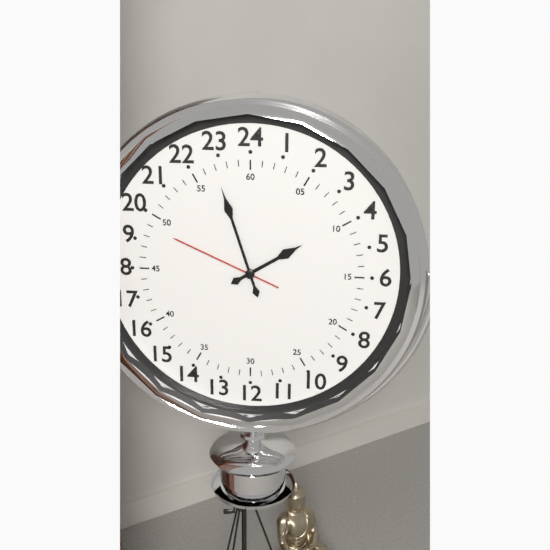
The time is {"hour": 1, "minute": 57, "second": 49}
